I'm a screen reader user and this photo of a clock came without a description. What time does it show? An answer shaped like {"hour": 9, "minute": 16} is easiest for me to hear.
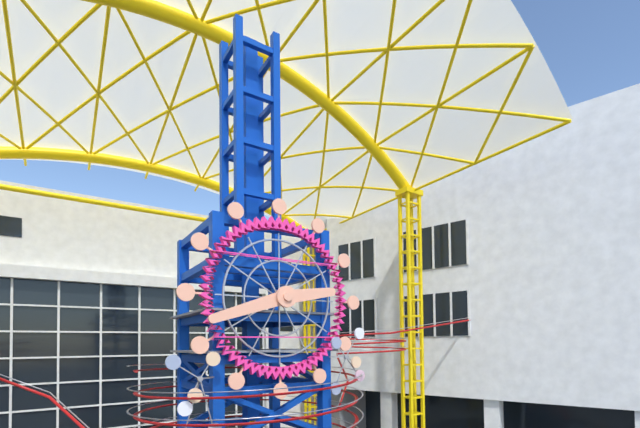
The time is {"hour": 2, "minute": 42}
